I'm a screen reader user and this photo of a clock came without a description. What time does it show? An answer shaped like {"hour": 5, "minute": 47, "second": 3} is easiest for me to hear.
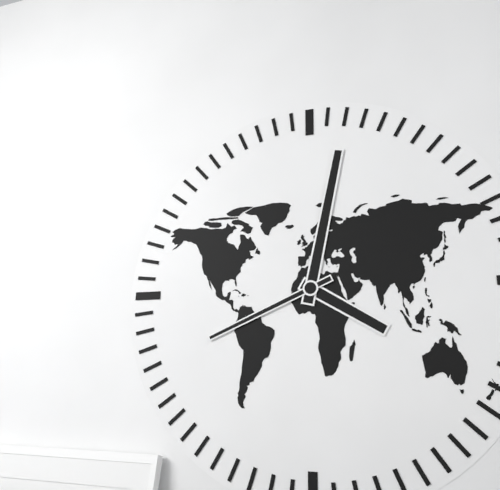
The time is {"hour": 4, "minute": 2, "second": 41}
